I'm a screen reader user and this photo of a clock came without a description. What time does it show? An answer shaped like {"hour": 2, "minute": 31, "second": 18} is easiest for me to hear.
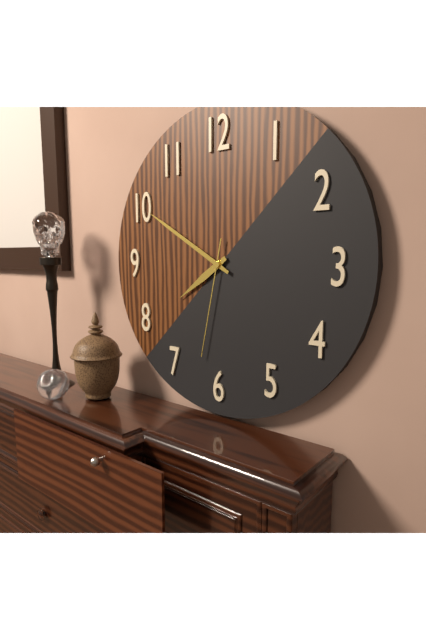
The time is {"hour": 7, "minute": 50, "second": 32}
